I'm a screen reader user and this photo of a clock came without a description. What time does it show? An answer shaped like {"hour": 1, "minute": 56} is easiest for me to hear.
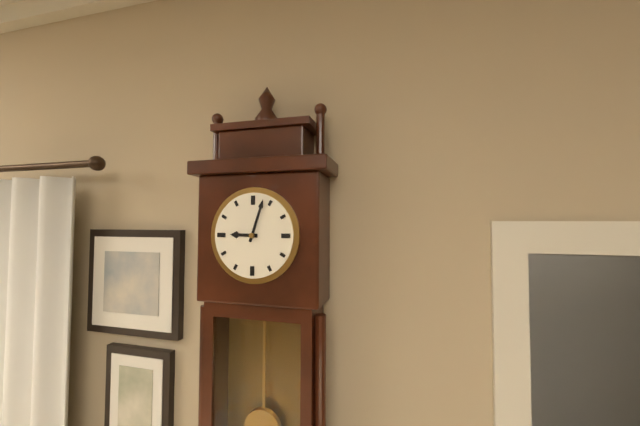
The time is {"hour": 9, "minute": 3}
